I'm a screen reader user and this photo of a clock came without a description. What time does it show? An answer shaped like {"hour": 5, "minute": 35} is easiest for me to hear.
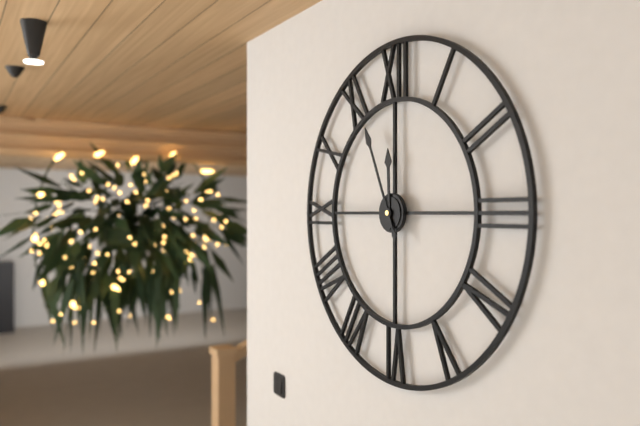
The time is {"hour": 11, "minute": 56}
